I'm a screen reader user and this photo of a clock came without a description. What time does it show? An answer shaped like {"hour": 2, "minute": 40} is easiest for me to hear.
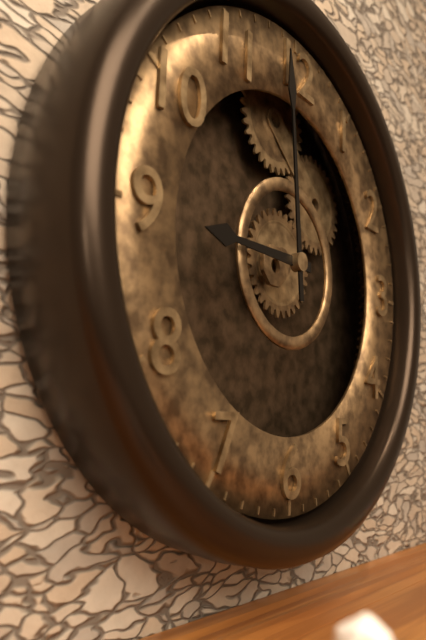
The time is {"hour": 8, "minute": 59}
